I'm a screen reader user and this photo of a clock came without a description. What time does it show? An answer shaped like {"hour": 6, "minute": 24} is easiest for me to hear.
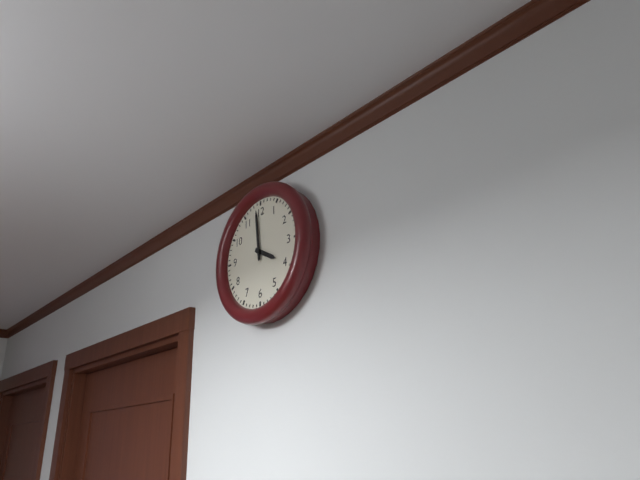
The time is {"hour": 3, "minute": 59}
